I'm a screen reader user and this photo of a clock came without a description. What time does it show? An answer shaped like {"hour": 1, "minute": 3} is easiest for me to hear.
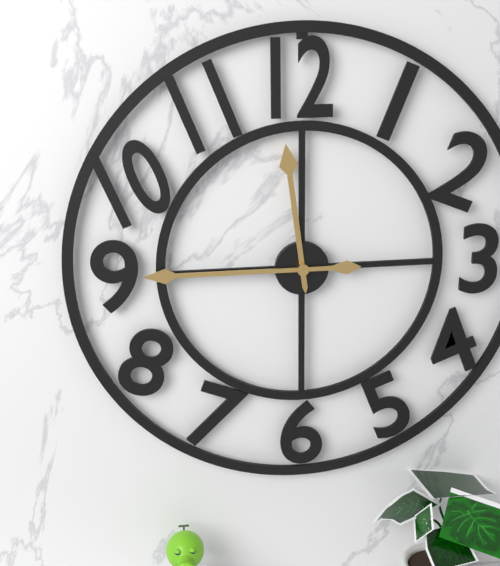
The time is {"hour": 11, "minute": 45}
